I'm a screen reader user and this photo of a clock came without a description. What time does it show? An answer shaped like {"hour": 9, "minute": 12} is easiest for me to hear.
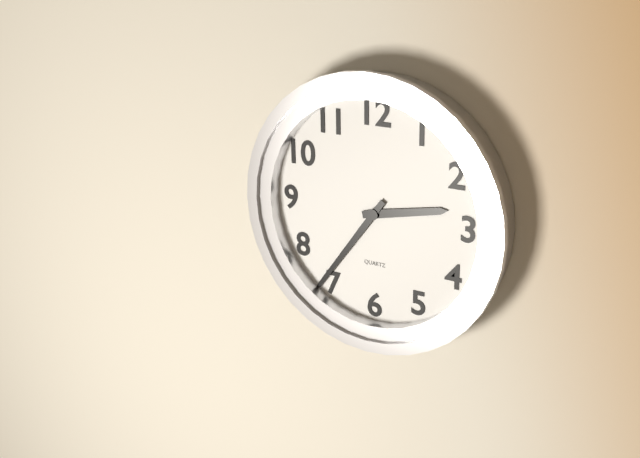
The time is {"hour": 2, "minute": 36}
